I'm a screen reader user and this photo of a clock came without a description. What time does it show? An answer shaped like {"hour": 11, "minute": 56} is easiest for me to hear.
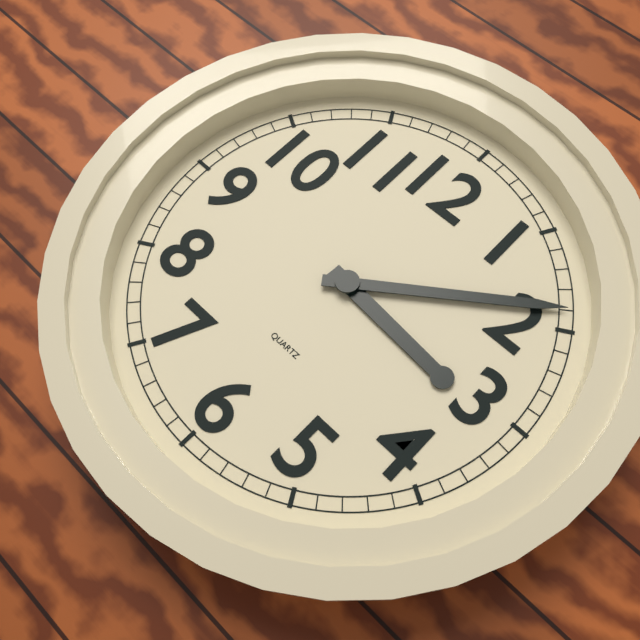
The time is {"hour": 3, "minute": 9}
